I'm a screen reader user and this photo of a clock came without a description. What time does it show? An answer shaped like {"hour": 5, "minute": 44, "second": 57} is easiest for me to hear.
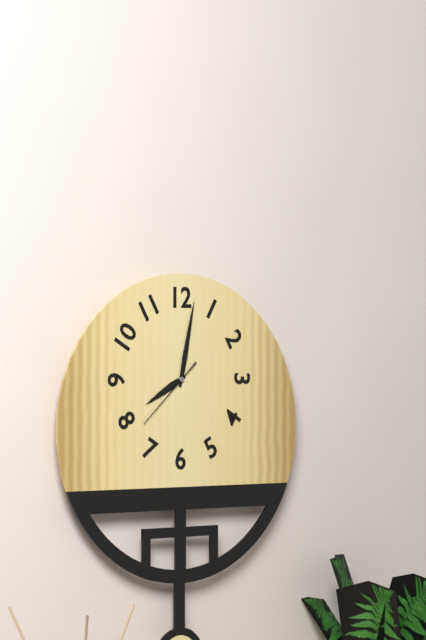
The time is {"hour": 8, "minute": 2, "second": 38}
